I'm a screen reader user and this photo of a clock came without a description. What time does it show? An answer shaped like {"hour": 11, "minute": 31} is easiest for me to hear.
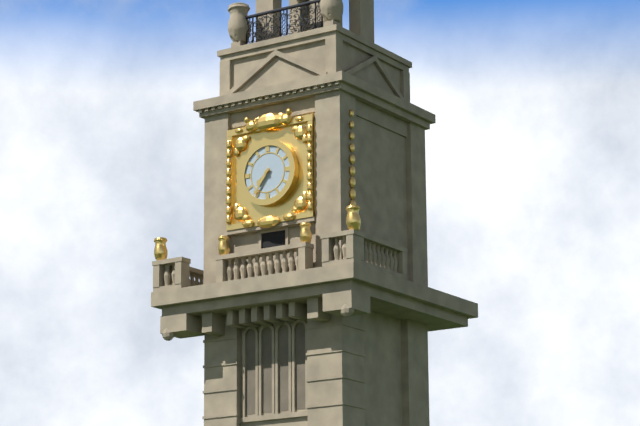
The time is {"hour": 7, "minute": 36}
